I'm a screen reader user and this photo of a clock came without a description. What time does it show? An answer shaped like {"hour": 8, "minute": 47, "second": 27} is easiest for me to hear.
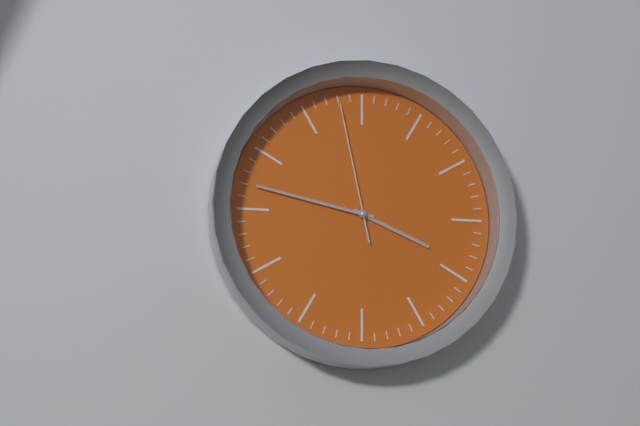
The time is {"hour": 3, "minute": 47, "second": 58}
